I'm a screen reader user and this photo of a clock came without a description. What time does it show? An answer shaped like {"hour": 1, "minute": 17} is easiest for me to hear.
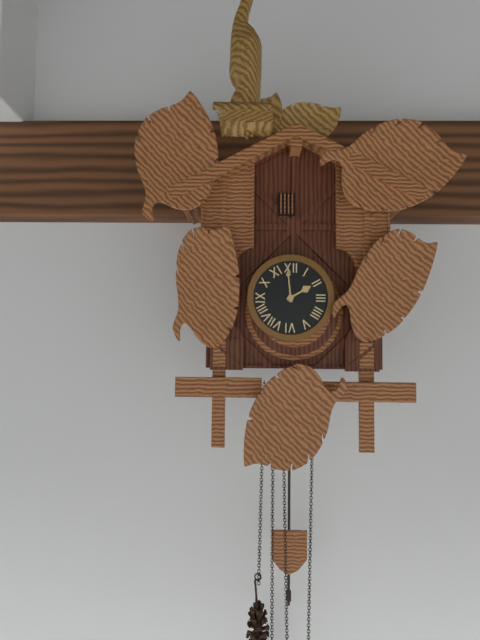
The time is {"hour": 1, "minute": 59}
